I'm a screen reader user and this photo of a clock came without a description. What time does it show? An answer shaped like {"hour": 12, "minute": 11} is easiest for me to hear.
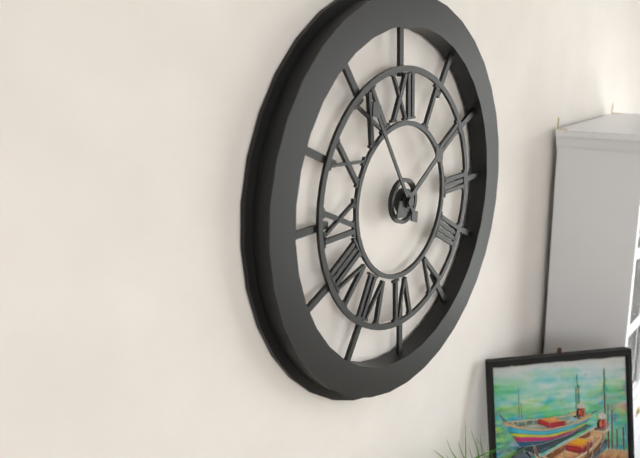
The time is {"hour": 1, "minute": 55}
